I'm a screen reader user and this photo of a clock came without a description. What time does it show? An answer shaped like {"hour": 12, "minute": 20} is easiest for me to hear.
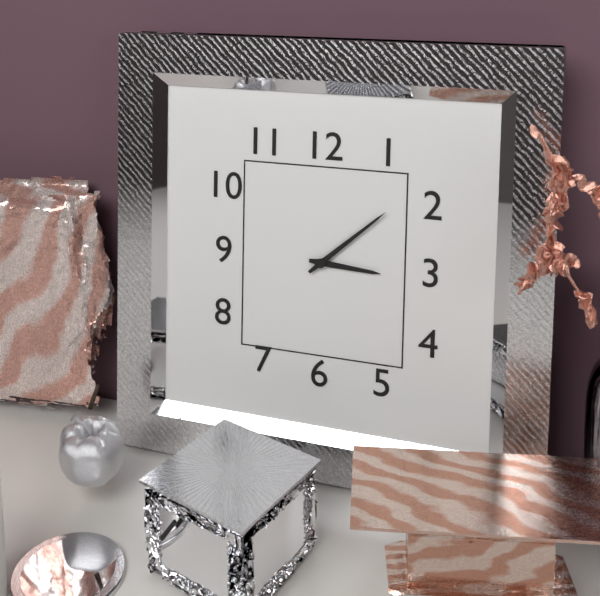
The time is {"hour": 3, "minute": 8}
